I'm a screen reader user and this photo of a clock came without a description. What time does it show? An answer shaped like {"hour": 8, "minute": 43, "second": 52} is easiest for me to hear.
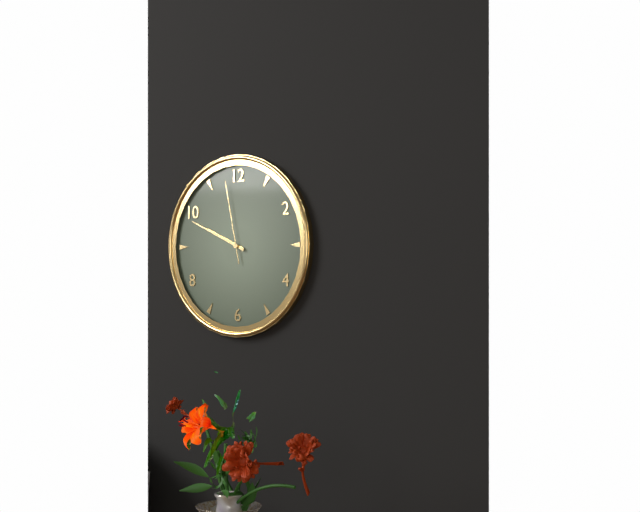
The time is {"hour": 9, "minute": 49, "second": 58}
